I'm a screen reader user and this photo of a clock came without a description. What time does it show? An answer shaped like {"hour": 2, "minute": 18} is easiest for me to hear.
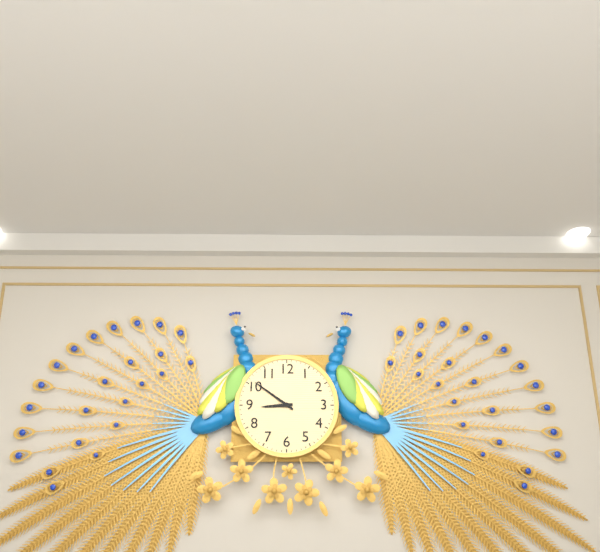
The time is {"hour": 8, "minute": 51}
